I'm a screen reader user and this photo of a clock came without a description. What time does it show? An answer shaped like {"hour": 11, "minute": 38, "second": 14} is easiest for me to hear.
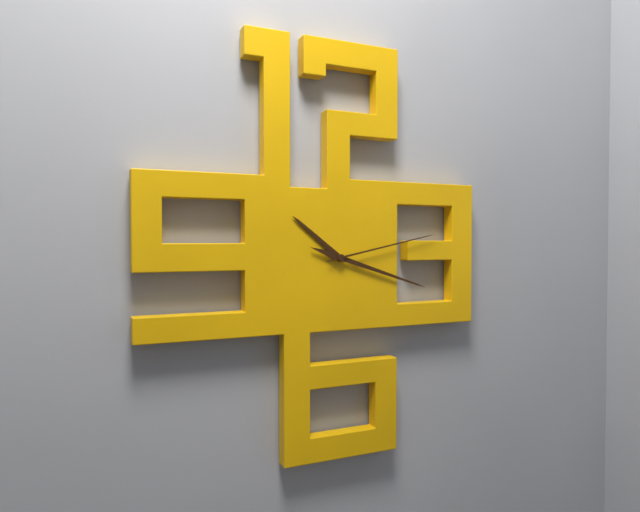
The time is {"hour": 10, "minute": 18, "second": 13}
